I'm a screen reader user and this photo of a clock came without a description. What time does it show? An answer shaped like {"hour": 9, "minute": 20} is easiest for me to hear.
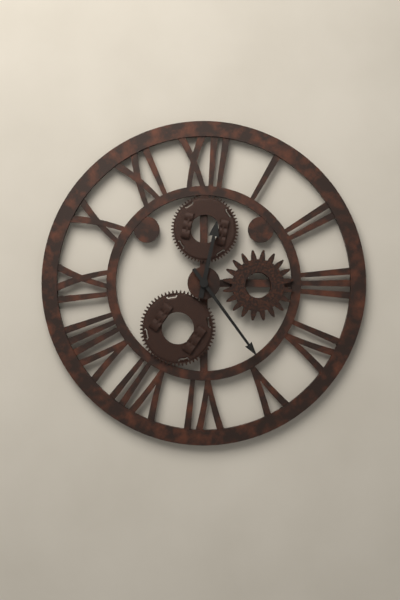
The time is {"hour": 12, "minute": 24}
